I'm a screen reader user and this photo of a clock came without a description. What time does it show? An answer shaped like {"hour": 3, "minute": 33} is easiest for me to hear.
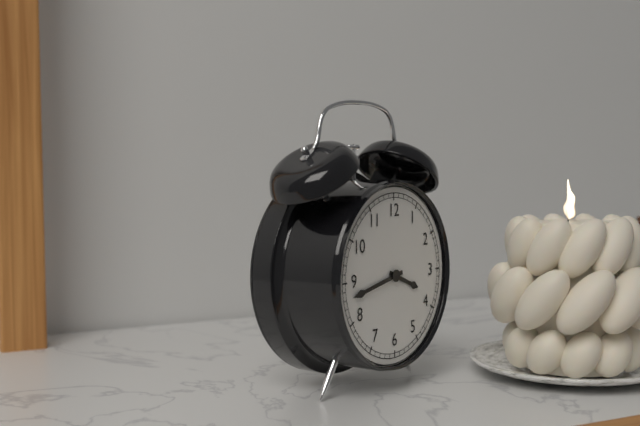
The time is {"hour": 3, "minute": 43}
